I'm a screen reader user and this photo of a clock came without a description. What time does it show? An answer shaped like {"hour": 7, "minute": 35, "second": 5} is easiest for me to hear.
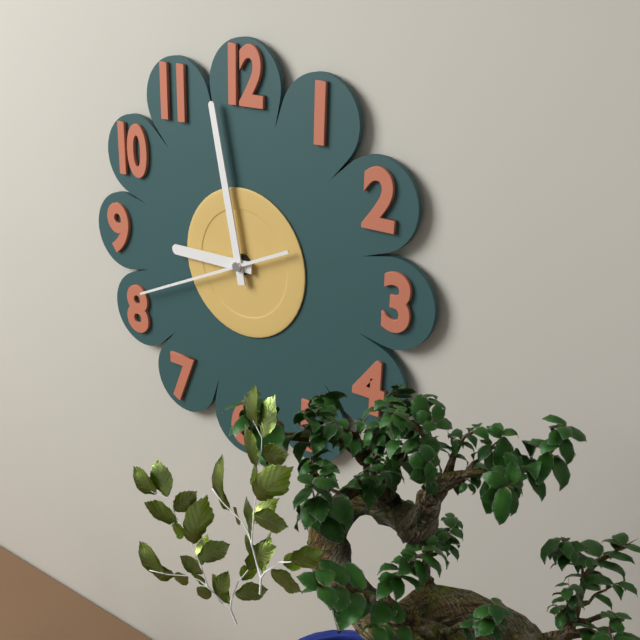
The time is {"hour": 8, "minute": 58, "second": 41}
